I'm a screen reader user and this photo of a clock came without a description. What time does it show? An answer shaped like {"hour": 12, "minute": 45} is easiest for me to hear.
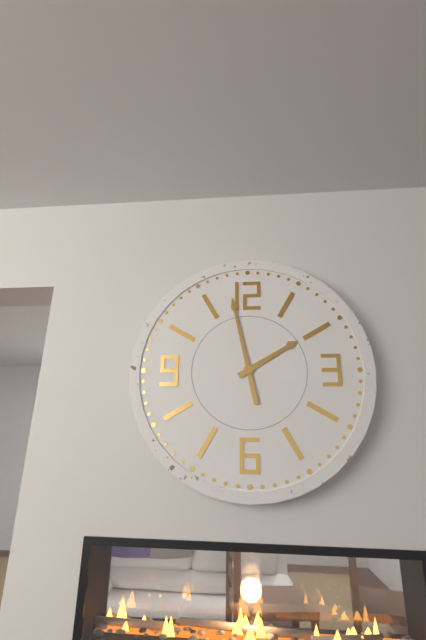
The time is {"hour": 1, "minute": 58}
